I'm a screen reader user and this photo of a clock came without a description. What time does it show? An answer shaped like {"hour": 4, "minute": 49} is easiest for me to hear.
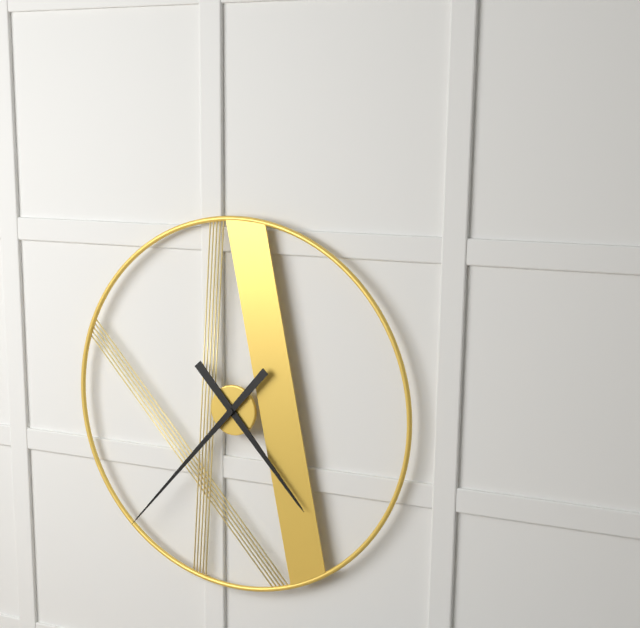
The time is {"hour": 4, "minute": 37}
